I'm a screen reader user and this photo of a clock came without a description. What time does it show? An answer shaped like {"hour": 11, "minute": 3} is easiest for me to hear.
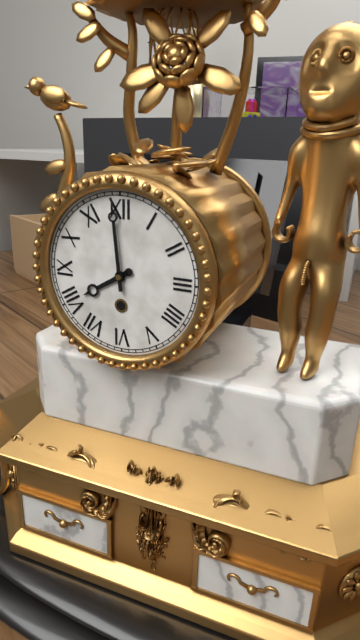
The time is {"hour": 7, "minute": 59}
